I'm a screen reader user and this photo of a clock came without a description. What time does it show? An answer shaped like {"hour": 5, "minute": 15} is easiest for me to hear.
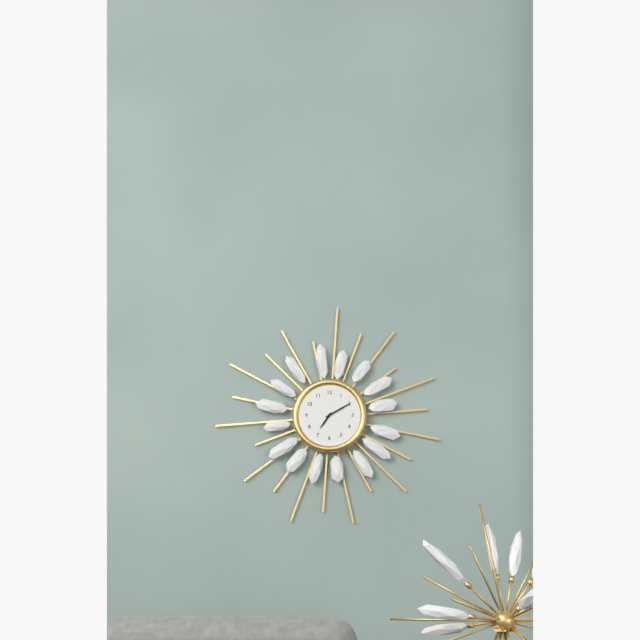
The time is {"hour": 7, "minute": 10}
